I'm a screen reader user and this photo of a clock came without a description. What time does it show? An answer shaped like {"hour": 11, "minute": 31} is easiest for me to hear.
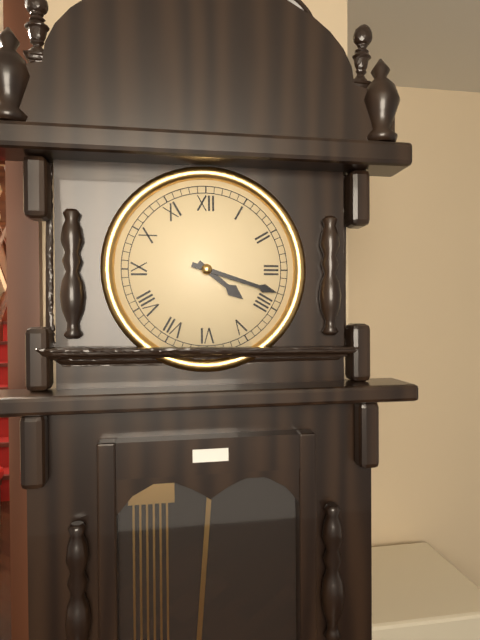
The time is {"hour": 4, "minute": 18}
